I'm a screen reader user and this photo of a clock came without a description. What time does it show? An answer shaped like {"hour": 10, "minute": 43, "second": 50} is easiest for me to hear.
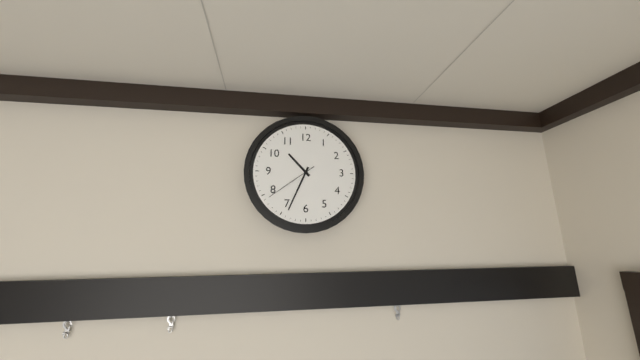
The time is {"hour": 10, "minute": 34, "second": 39}
